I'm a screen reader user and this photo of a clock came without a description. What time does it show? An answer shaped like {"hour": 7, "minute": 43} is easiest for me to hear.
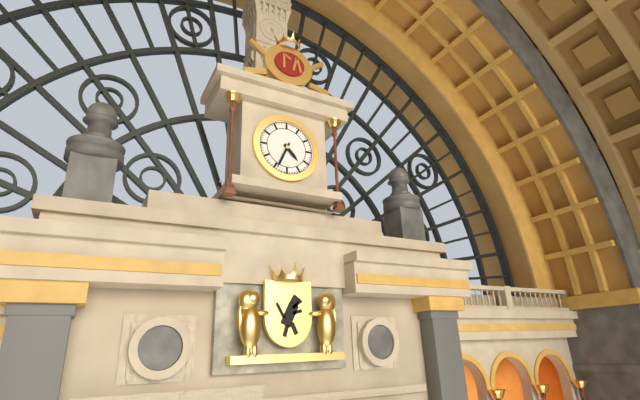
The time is {"hour": 4, "minute": 34}
